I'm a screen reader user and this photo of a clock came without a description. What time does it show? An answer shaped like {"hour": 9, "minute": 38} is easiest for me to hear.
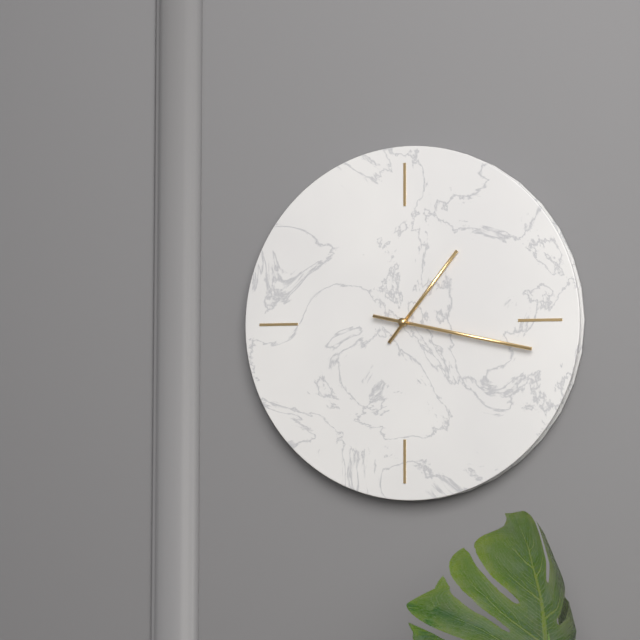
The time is {"hour": 1, "minute": 17}
